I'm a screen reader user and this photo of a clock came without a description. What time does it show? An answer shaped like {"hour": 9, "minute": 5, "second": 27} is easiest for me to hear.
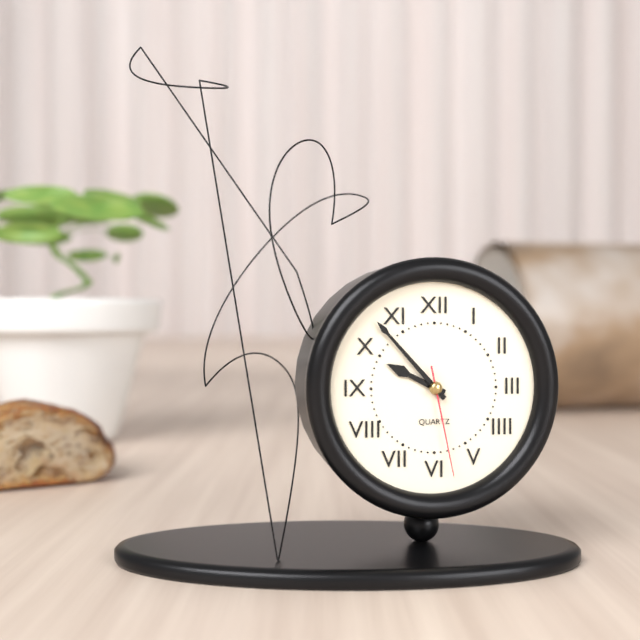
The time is {"hour": 9, "minute": 53, "second": 28}
